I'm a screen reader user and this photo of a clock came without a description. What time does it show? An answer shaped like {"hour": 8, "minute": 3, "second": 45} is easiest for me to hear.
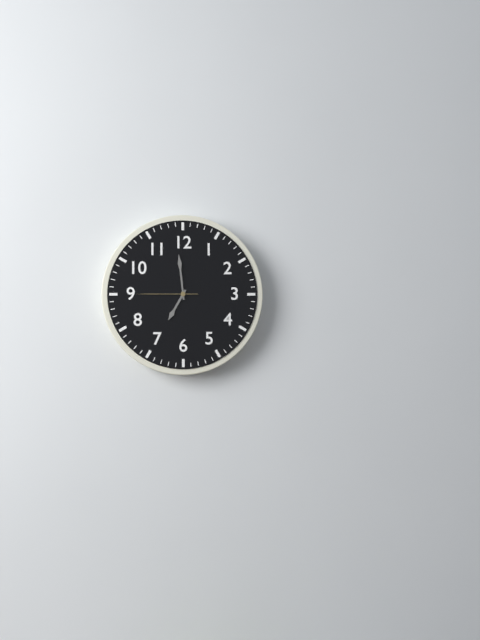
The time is {"hour": 6, "minute": 59, "second": 45}
